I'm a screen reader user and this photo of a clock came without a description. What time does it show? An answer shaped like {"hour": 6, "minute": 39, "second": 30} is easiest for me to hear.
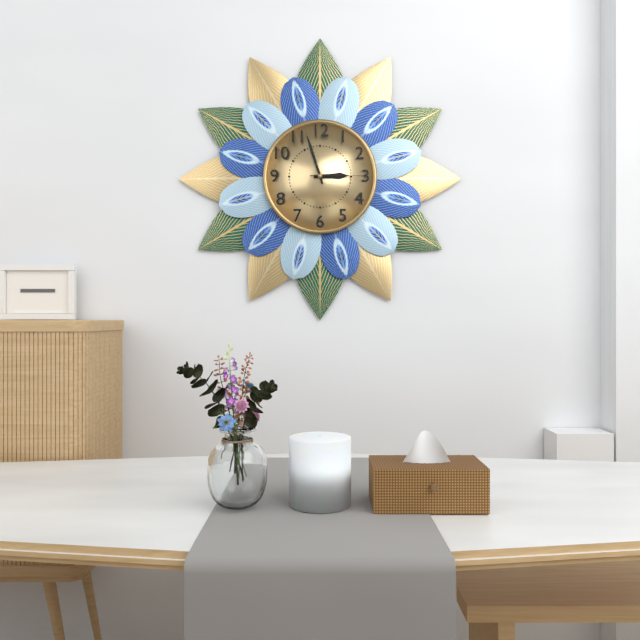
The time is {"hour": 2, "minute": 57, "second": 15}
